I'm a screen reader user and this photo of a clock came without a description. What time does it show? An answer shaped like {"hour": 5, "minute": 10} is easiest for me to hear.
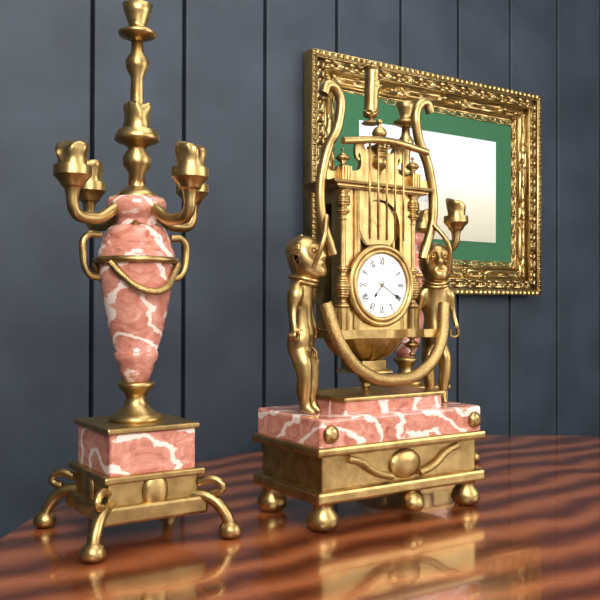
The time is {"hour": 7, "minute": 20}
